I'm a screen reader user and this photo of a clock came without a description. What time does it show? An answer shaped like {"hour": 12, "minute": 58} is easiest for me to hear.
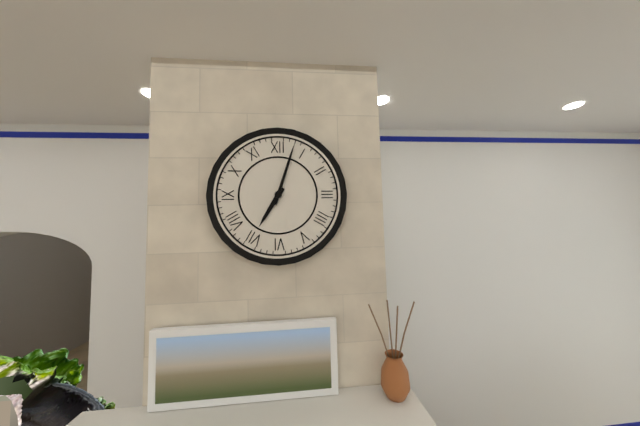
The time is {"hour": 7, "minute": 3}
